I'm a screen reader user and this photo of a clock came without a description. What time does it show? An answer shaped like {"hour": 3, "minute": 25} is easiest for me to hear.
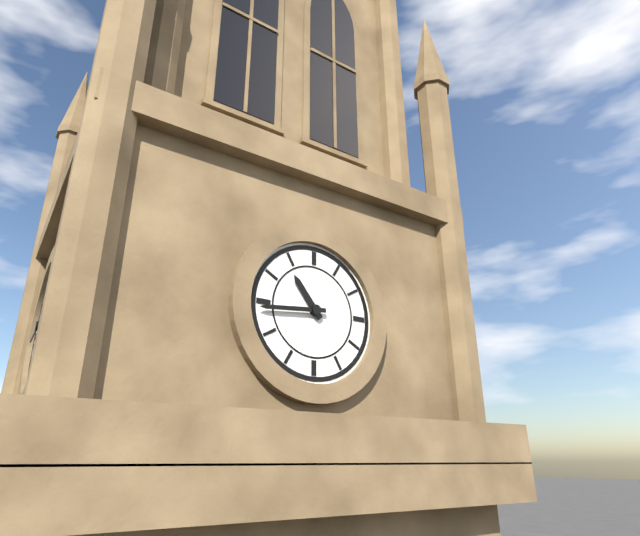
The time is {"hour": 10, "minute": 44}
